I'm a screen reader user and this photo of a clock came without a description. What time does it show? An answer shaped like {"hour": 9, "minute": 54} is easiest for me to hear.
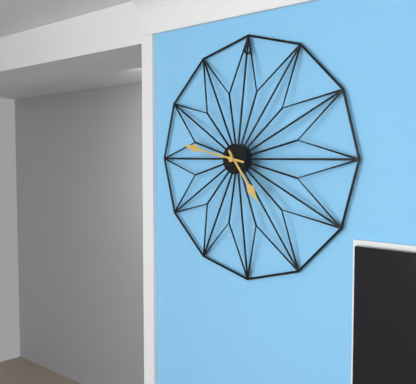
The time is {"hour": 4, "minute": 47}
